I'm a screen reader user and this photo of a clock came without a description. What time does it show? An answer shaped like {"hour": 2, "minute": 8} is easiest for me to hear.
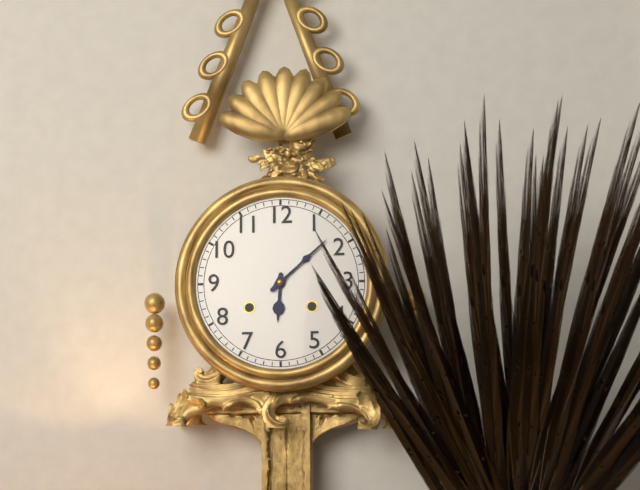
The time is {"hour": 6, "minute": 8}
